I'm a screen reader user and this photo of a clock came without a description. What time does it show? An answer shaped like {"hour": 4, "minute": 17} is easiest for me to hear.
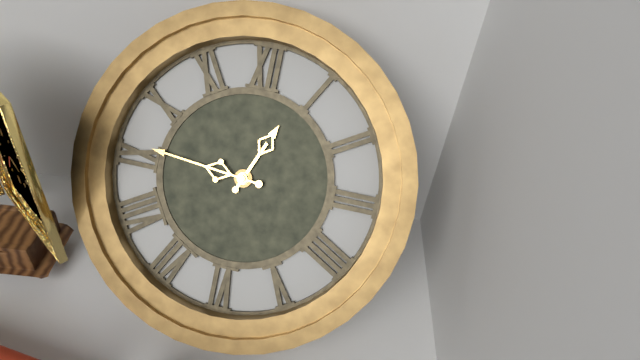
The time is {"hour": 12, "minute": 46}
